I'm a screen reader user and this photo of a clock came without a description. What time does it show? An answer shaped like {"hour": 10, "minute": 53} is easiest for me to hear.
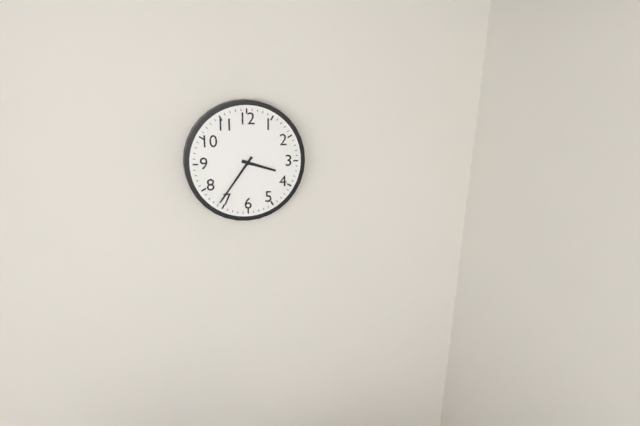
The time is {"hour": 3, "minute": 36}
